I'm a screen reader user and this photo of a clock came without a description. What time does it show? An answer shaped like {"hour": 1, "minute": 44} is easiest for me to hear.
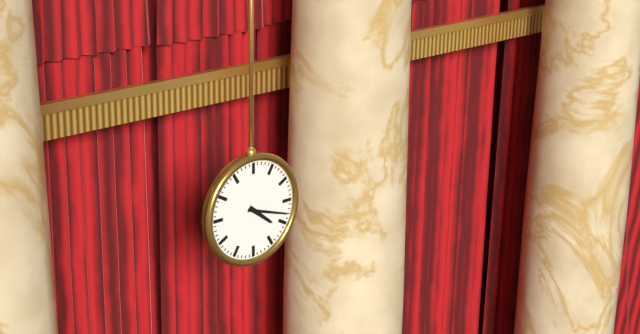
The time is {"hour": 4, "minute": 18}
